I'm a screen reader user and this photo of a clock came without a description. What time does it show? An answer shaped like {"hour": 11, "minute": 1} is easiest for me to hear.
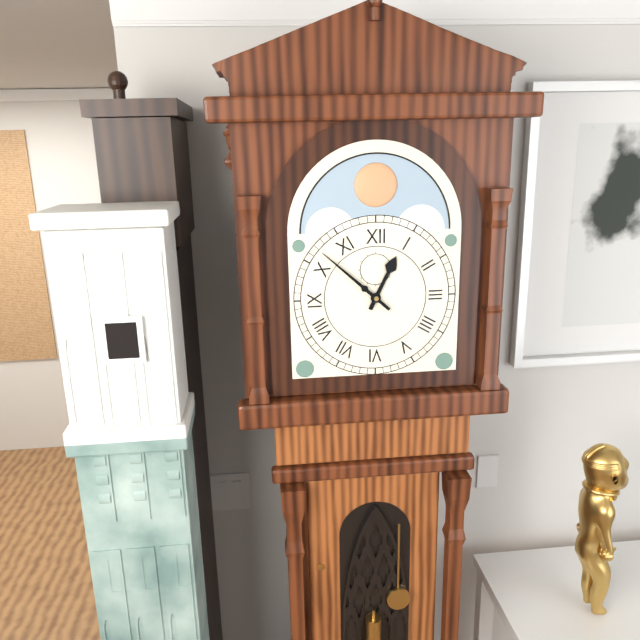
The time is {"hour": 12, "minute": 52}
